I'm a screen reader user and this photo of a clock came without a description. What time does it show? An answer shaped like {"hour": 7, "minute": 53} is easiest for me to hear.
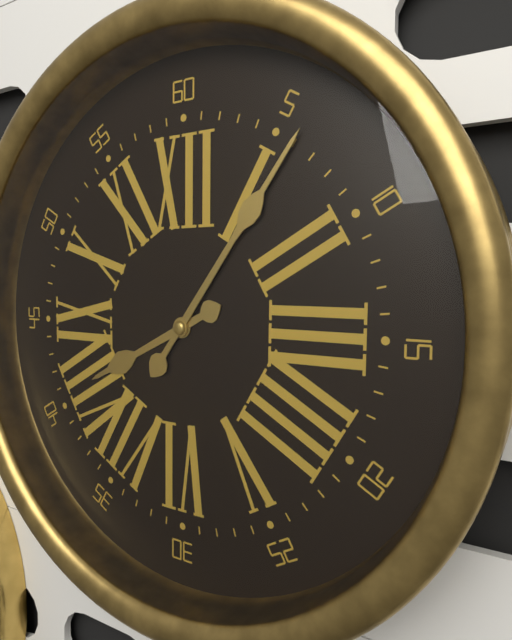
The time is {"hour": 8, "minute": 6}
